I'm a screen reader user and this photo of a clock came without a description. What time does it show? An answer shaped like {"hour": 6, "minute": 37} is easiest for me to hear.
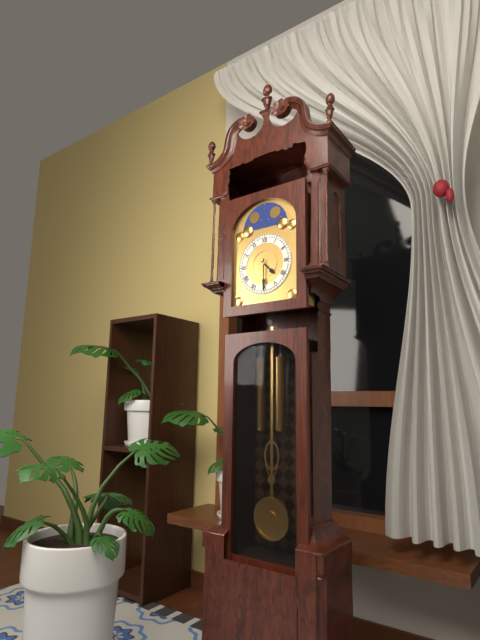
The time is {"hour": 4, "minute": 30}
